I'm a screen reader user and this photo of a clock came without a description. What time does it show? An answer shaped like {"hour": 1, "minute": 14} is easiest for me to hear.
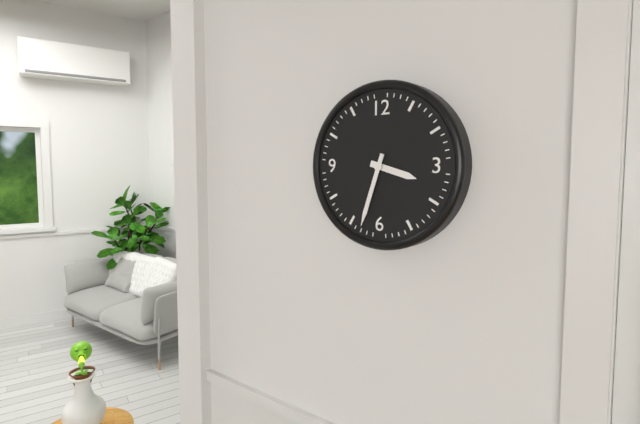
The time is {"hour": 3, "minute": 33}
